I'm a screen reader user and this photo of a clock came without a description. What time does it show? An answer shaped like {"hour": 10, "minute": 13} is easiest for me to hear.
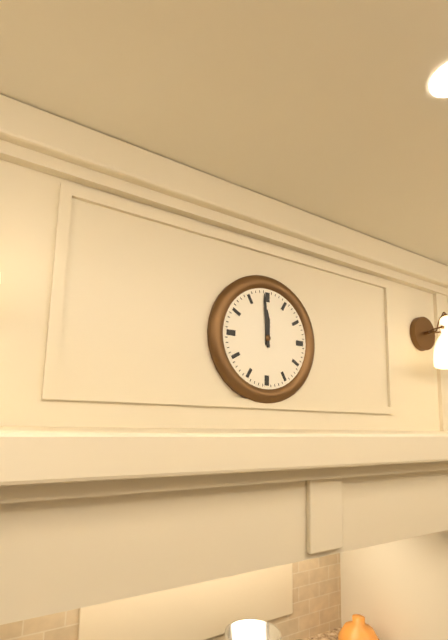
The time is {"hour": 11, "minute": 59}
